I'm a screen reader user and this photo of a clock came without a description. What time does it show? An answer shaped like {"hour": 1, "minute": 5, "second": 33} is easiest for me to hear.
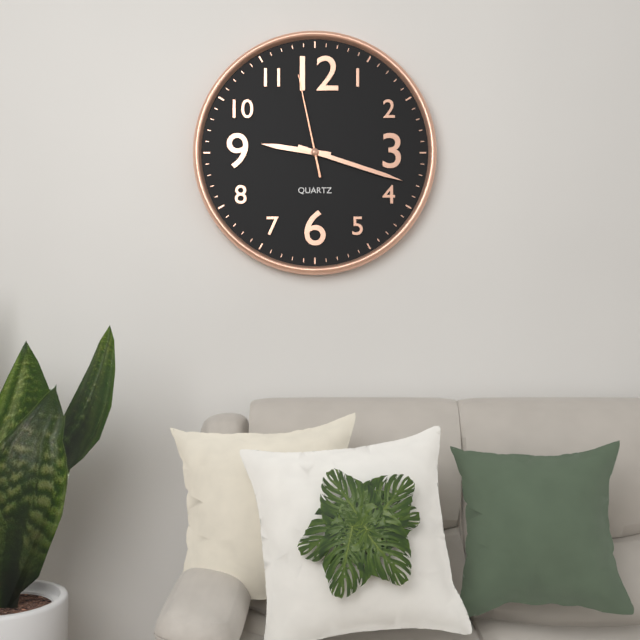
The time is {"hour": 9, "minute": 18, "second": 58}
